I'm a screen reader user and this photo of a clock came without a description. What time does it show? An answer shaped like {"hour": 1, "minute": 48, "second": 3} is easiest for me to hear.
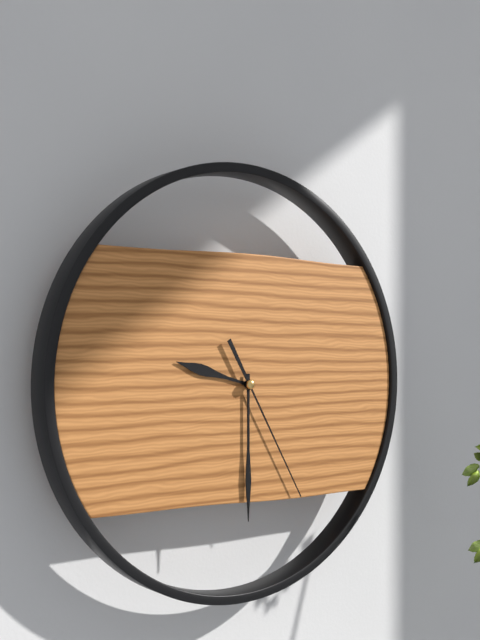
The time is {"hour": 9, "minute": 30, "second": 25}
